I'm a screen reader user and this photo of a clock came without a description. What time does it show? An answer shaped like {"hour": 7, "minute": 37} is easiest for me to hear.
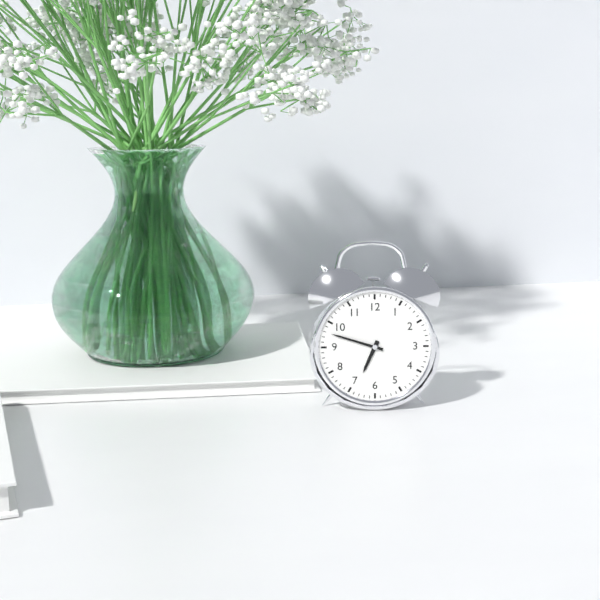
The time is {"hour": 6, "minute": 48}
